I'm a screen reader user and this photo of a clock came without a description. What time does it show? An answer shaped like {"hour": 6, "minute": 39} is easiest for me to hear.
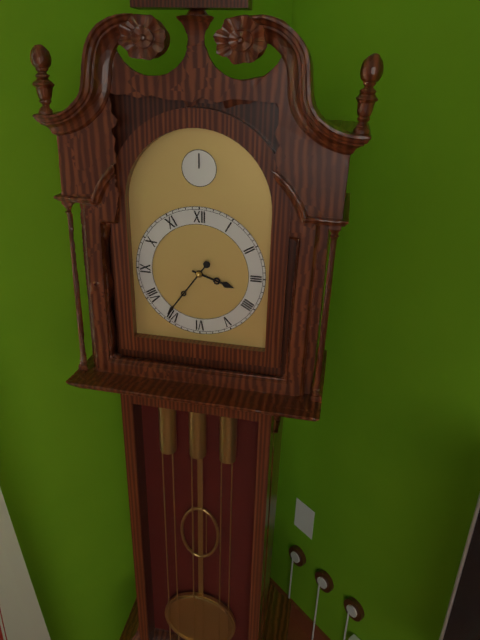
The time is {"hour": 3, "minute": 36}
